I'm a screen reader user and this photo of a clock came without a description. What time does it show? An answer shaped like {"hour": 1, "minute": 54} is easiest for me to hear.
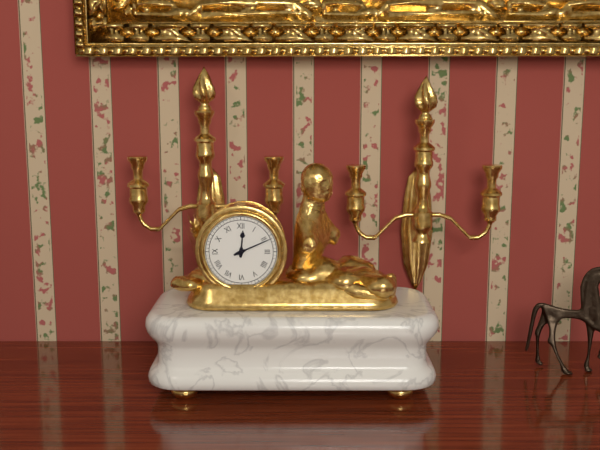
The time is {"hour": 12, "minute": 11}
